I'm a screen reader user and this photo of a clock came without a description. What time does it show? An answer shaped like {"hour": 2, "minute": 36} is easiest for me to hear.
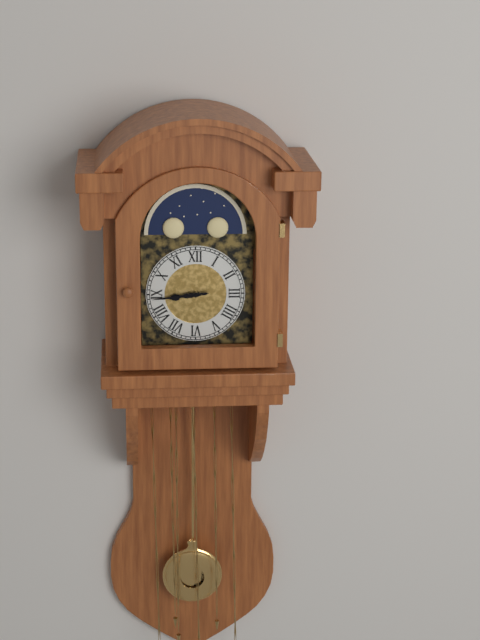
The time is {"hour": 8, "minute": 44}
